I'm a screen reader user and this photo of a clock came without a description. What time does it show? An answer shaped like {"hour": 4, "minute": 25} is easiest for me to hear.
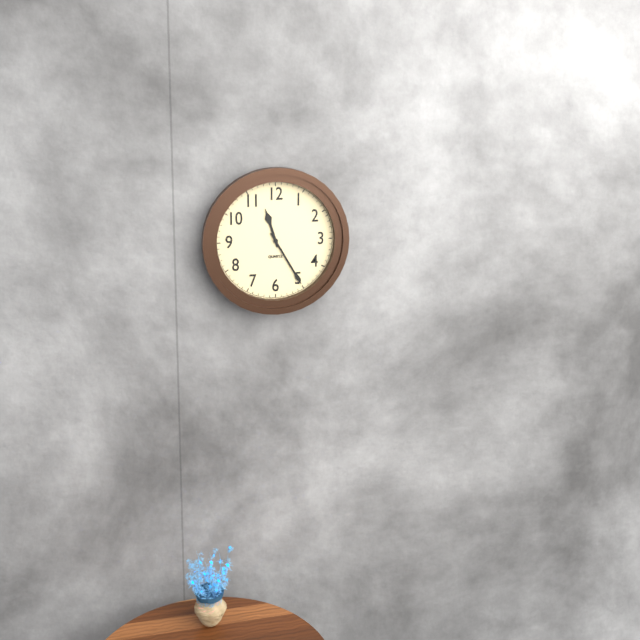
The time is {"hour": 11, "minute": 25}
